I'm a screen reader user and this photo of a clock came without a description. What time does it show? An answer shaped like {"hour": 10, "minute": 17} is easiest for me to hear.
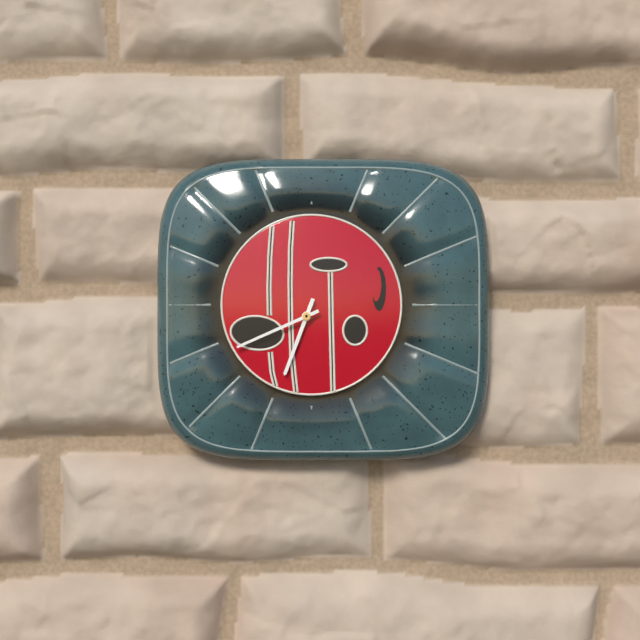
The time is {"hour": 6, "minute": 41}
